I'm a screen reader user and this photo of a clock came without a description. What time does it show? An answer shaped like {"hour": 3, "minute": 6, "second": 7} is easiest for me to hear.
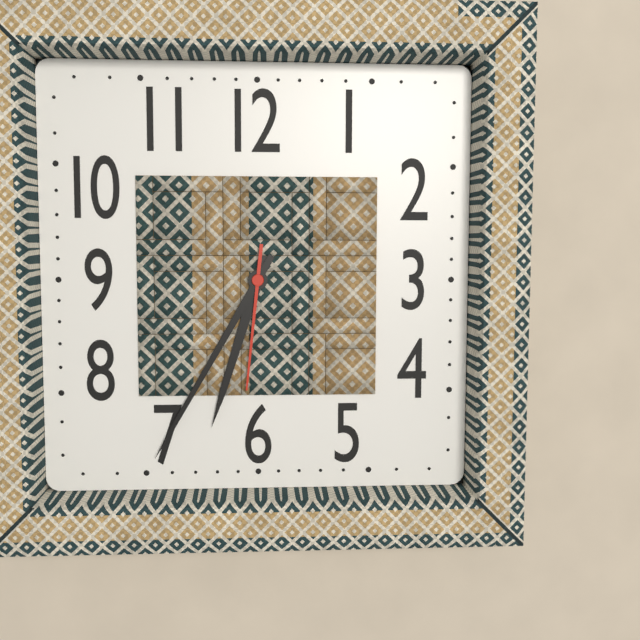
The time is {"hour": 6, "minute": 35, "second": 31}
